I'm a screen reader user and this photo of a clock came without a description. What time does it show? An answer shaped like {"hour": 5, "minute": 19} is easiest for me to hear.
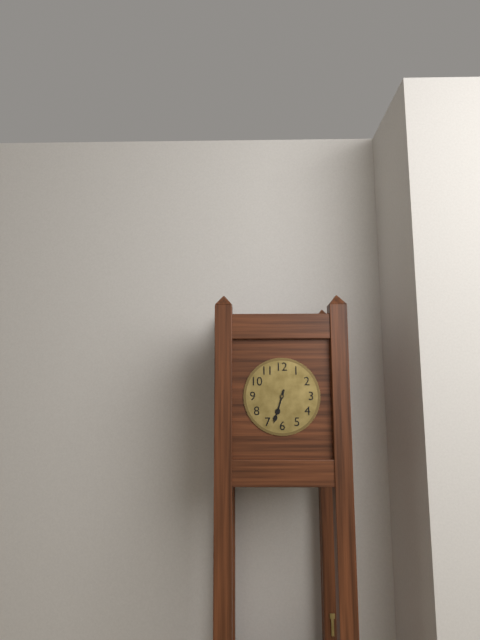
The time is {"hour": 6, "minute": 33}
